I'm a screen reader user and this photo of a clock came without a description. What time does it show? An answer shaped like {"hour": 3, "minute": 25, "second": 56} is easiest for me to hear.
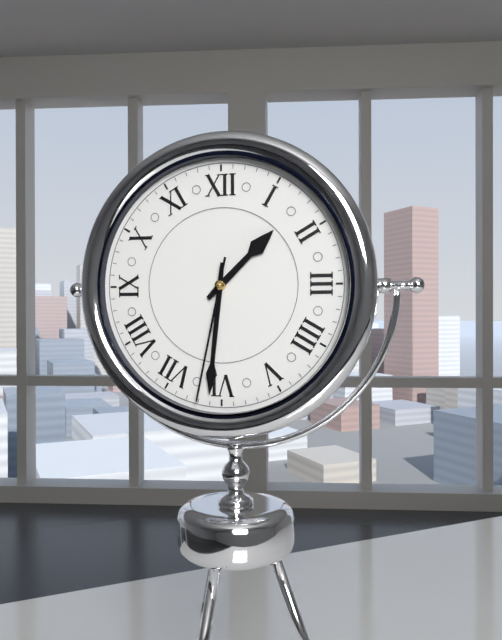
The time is {"hour": 1, "minute": 31, "second": 32}
